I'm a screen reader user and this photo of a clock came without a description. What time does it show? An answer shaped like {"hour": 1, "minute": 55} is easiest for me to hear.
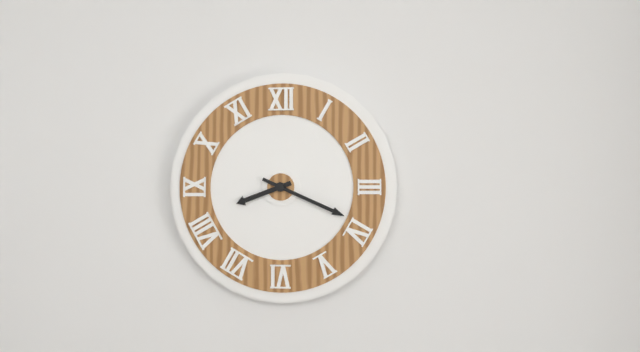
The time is {"hour": 8, "minute": 19}
